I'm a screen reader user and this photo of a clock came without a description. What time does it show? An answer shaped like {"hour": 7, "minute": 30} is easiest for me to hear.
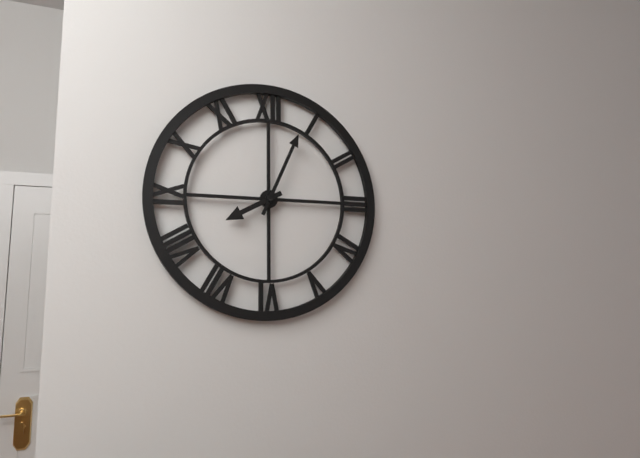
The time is {"hour": 8, "minute": 4}
